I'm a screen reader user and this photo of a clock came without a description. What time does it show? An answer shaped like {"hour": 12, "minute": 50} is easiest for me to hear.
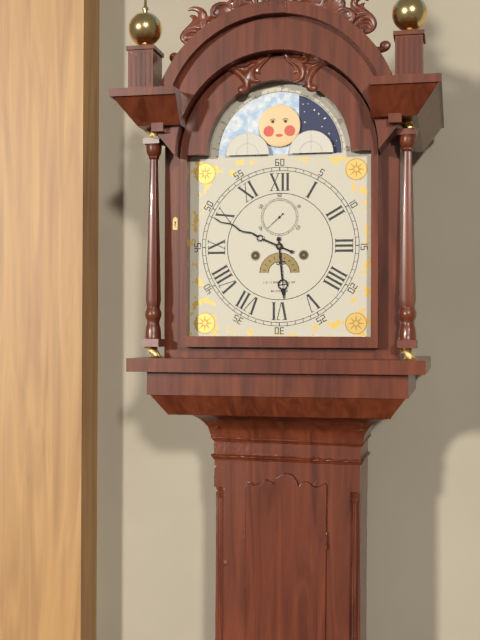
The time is {"hour": 5, "minute": 49}
